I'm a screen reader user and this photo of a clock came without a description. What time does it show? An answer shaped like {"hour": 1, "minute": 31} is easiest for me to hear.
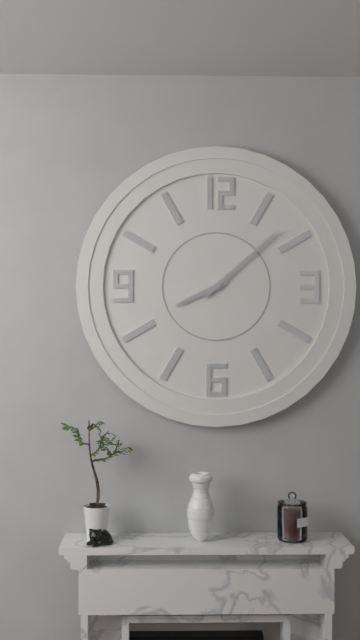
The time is {"hour": 8, "minute": 8}
